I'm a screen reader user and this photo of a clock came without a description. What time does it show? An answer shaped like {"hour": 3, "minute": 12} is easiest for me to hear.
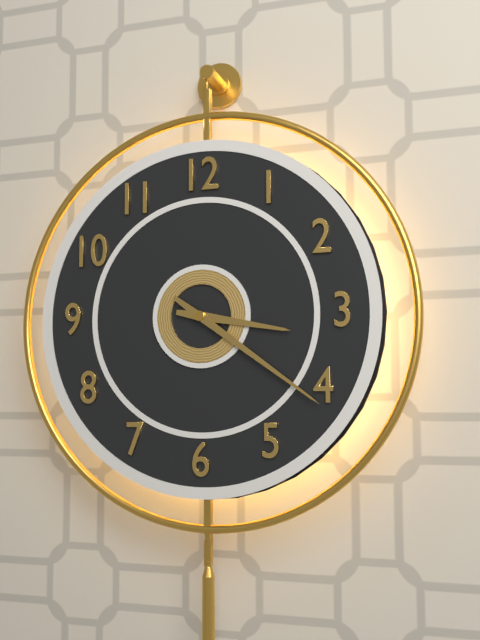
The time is {"hour": 3, "minute": 21}
